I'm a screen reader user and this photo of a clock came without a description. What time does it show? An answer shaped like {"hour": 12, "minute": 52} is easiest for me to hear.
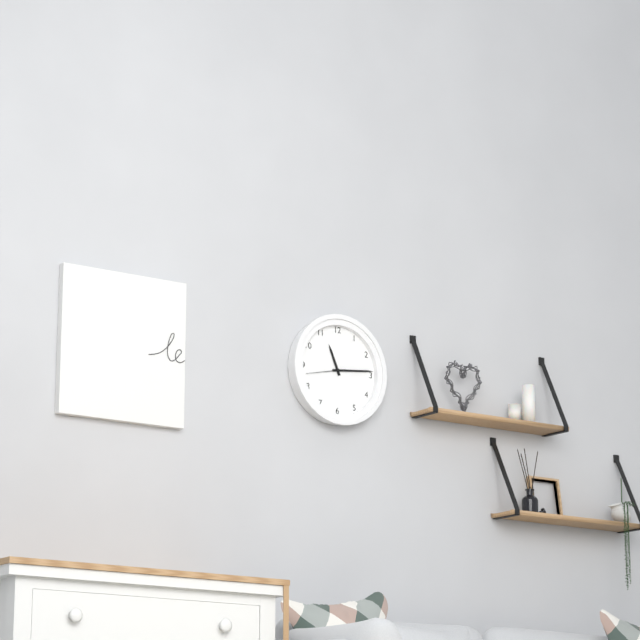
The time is {"hour": 11, "minute": 14}
